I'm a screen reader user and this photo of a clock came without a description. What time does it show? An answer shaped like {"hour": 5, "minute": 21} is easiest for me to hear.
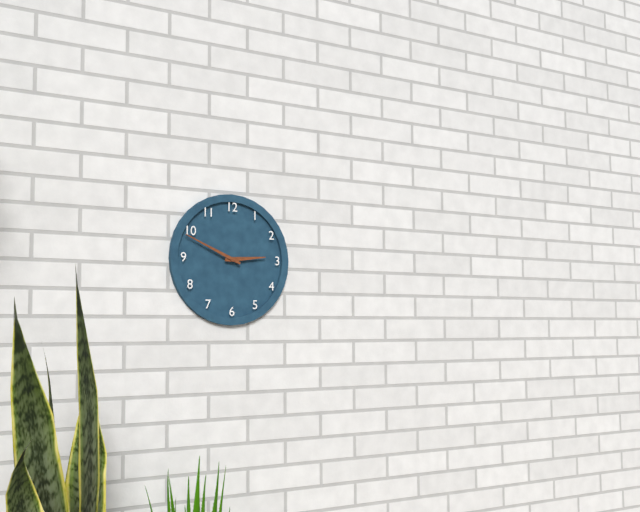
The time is {"hour": 2, "minute": 49}
